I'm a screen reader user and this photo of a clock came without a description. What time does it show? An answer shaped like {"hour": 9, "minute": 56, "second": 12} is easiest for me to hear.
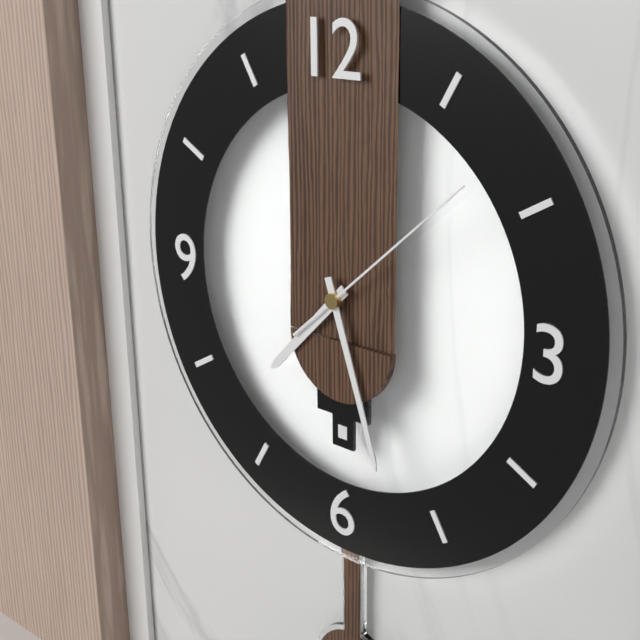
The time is {"hour": 7, "minute": 27, "second": 8}
